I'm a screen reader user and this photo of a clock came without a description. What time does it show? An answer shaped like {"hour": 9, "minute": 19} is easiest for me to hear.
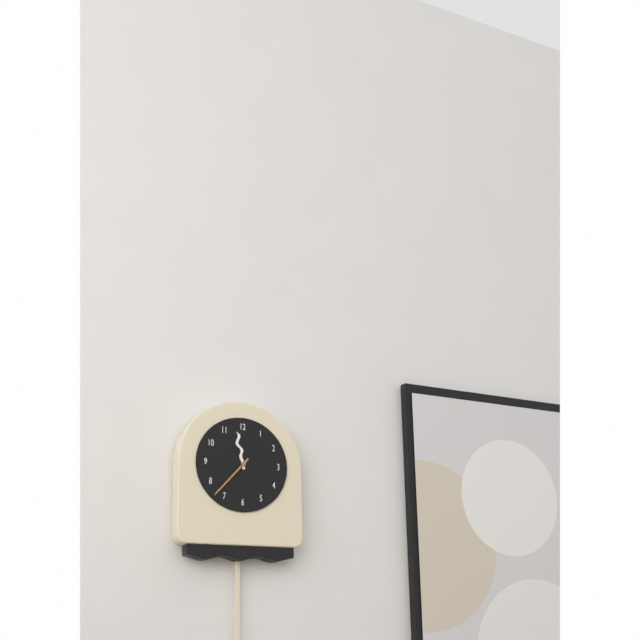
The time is {"hour": 11, "minute": 37}
